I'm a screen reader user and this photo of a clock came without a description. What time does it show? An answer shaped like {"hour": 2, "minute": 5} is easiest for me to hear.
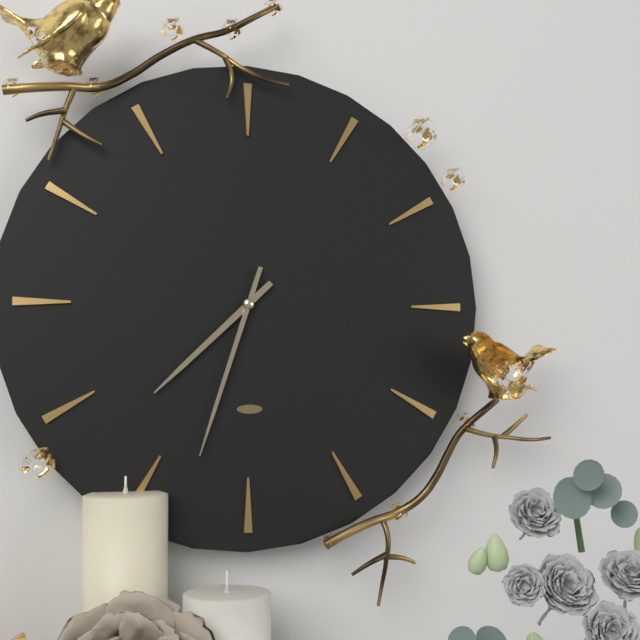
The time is {"hour": 7, "minute": 33}
